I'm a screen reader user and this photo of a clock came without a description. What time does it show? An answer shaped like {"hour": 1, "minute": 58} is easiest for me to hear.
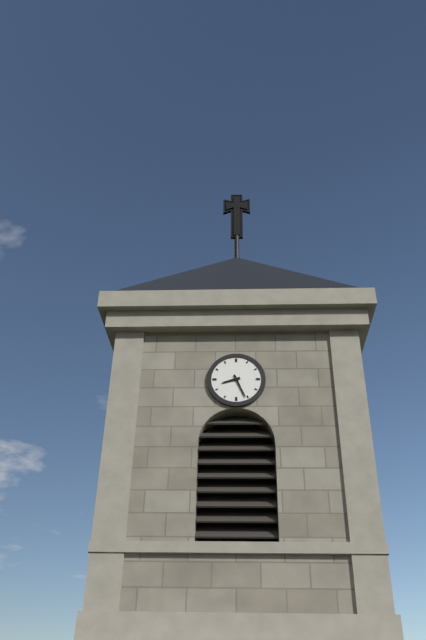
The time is {"hour": 8, "minute": 26}
